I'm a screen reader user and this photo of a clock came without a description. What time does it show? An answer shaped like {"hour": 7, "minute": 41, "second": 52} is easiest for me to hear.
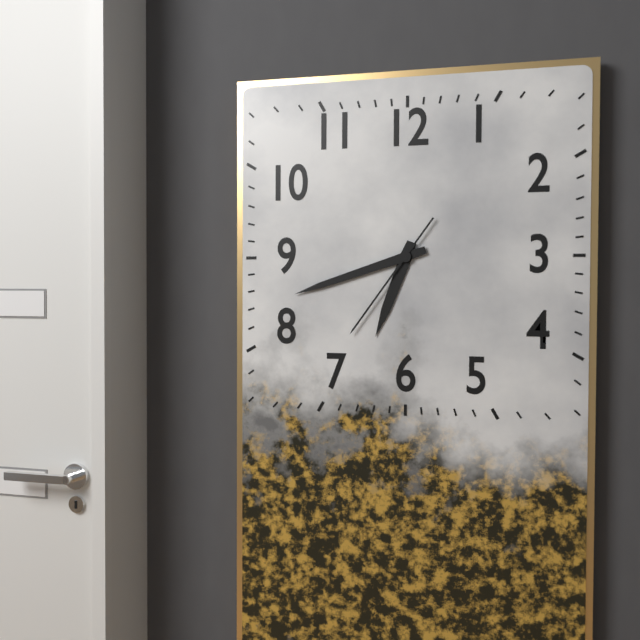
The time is {"hour": 6, "minute": 42, "second": 36}
